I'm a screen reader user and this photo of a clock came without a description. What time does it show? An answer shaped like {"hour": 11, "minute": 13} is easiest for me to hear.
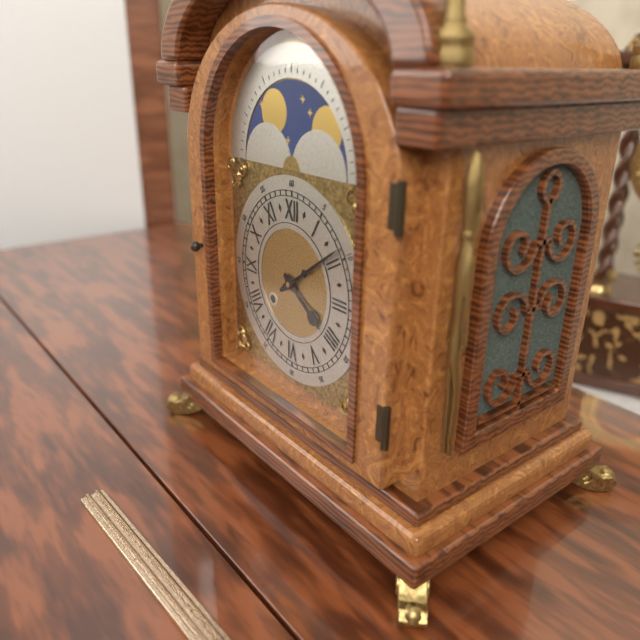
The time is {"hour": 4, "minute": 9}
